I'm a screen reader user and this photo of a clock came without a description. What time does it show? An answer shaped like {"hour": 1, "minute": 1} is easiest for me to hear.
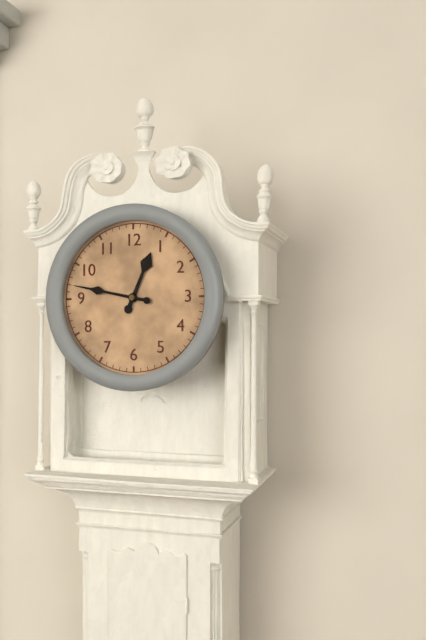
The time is {"hour": 12, "minute": 47}
